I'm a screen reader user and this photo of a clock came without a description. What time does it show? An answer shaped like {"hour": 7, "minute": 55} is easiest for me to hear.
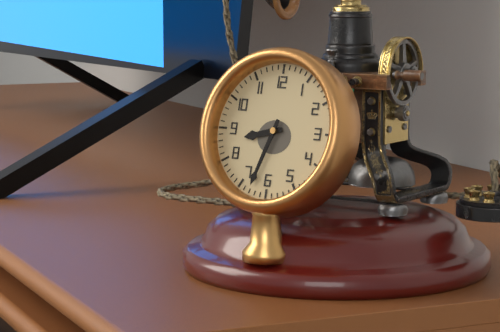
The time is {"hour": 8, "minute": 33}
